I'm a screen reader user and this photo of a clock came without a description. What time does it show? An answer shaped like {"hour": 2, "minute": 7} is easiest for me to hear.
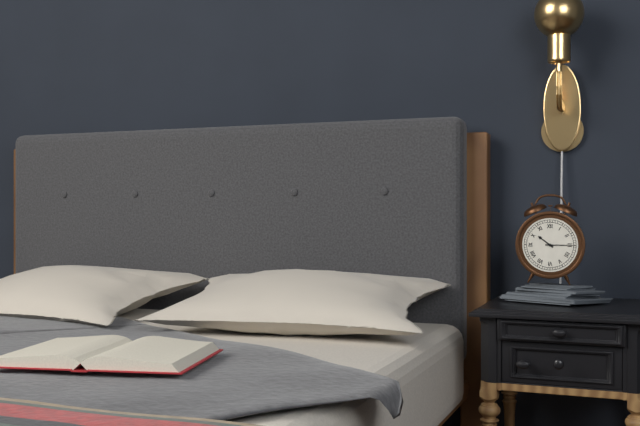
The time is {"hour": 10, "minute": 15}
